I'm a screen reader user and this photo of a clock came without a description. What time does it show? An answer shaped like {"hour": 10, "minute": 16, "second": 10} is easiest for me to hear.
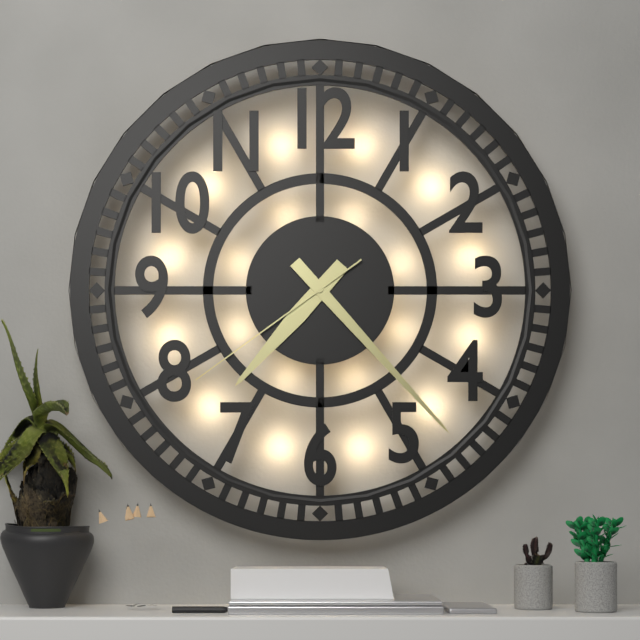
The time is {"hour": 7, "minute": 23, "second": 39}
